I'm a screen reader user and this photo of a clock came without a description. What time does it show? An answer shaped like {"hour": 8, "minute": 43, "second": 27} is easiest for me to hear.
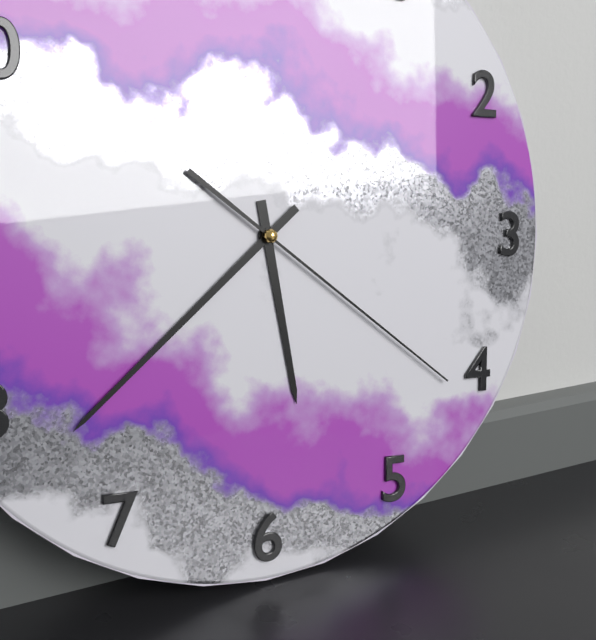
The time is {"hour": 5, "minute": 38, "second": 21}
